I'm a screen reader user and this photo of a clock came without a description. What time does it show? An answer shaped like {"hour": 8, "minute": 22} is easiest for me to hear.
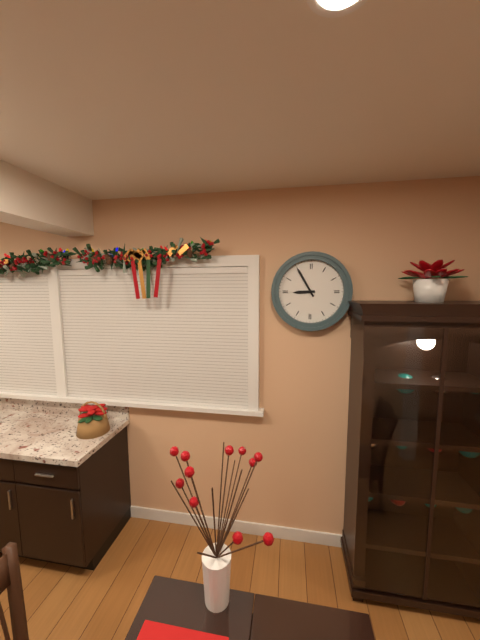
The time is {"hour": 8, "minute": 55}
